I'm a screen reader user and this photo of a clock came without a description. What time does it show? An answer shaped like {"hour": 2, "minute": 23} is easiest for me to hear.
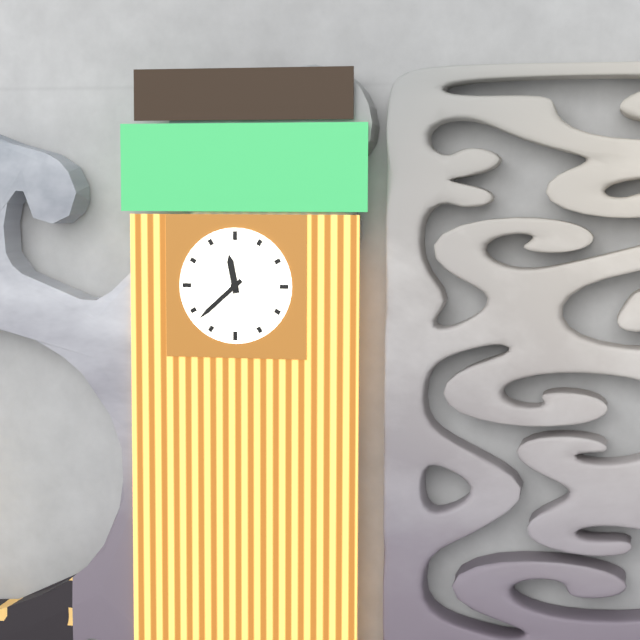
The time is {"hour": 11, "minute": 38}
